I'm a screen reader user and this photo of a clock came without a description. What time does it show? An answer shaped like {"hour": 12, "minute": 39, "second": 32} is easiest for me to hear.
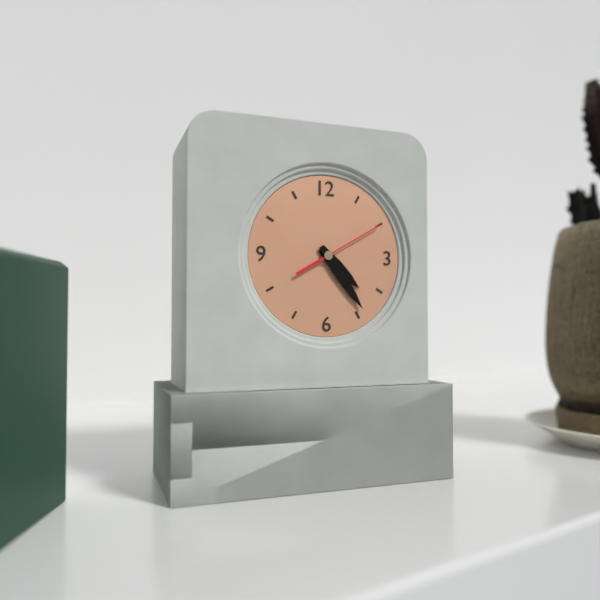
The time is {"hour": 4, "minute": 24, "second": 10}
